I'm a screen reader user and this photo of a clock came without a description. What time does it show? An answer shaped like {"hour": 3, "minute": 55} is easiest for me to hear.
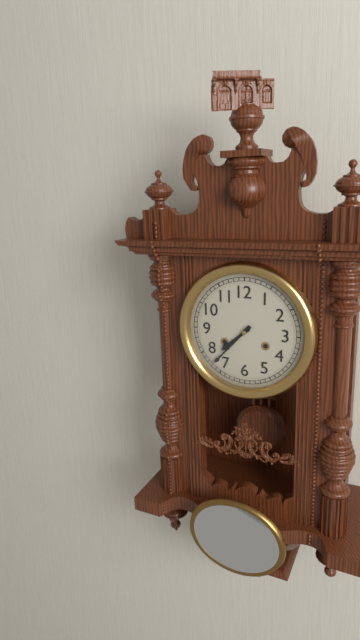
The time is {"hour": 7, "minute": 37}
